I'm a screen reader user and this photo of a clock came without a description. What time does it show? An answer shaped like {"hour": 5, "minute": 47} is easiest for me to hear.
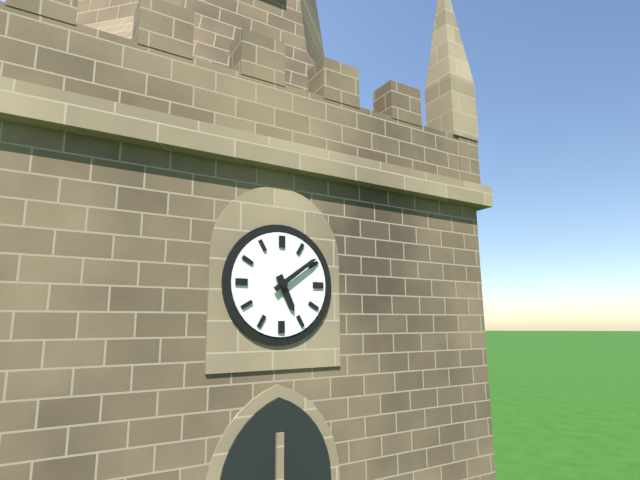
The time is {"hour": 5, "minute": 9}
